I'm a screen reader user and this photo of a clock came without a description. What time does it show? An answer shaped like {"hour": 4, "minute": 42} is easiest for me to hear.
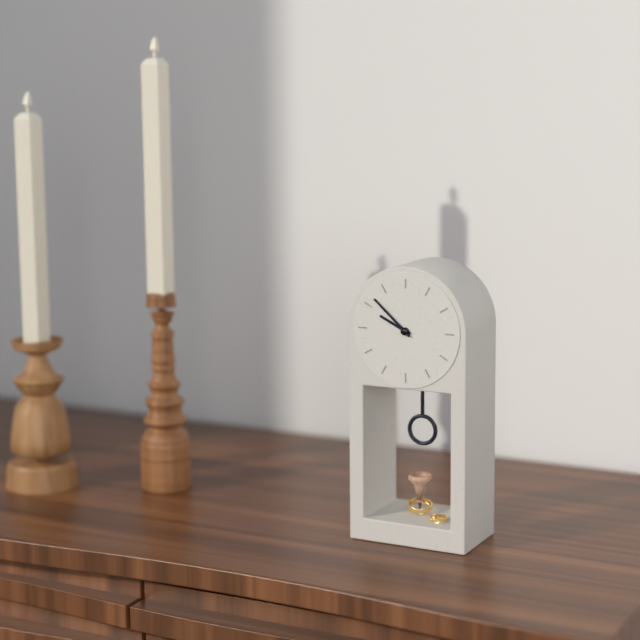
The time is {"hour": 9, "minute": 52}
